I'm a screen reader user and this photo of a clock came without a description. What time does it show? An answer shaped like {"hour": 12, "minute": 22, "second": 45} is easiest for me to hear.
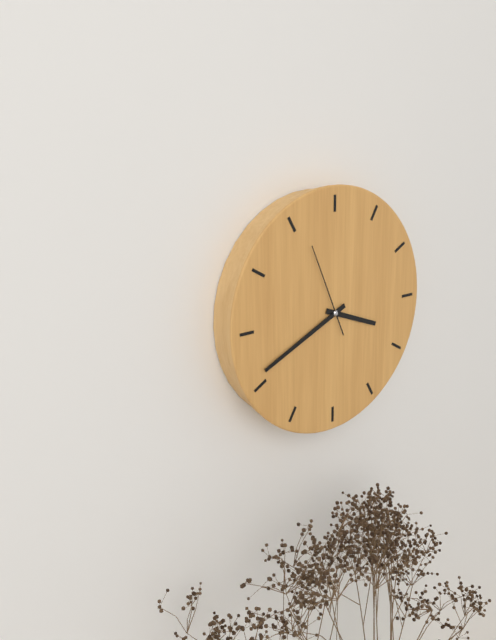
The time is {"hour": 3, "minute": 41, "second": 56}
